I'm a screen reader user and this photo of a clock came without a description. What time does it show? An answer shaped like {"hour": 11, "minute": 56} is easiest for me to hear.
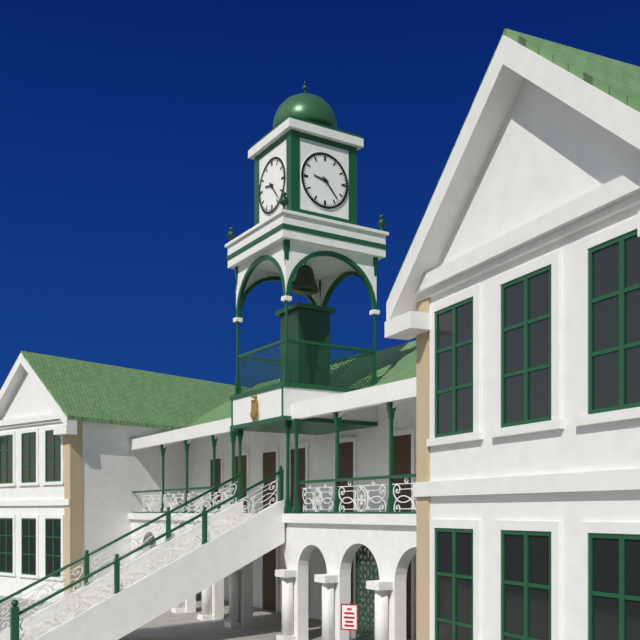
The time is {"hour": 9, "minute": 23}
